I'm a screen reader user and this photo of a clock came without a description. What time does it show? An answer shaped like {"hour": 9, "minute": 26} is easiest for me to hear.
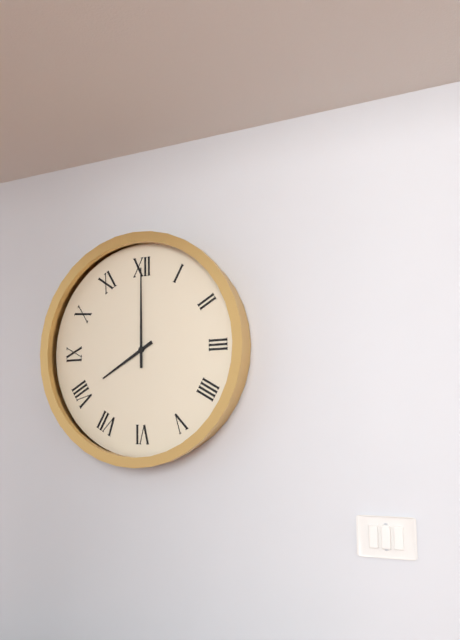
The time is {"hour": 8, "minute": 0}
